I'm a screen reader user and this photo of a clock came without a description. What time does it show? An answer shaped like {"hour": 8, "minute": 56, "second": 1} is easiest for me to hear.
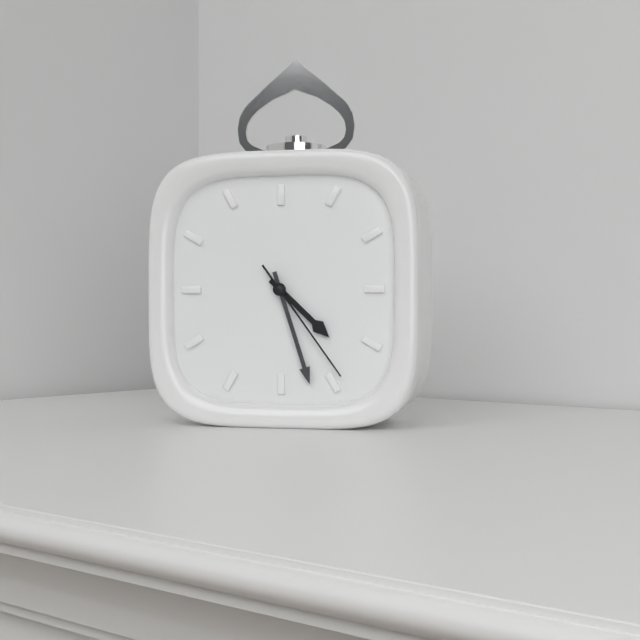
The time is {"hour": 4, "minute": 27, "second": 24}
